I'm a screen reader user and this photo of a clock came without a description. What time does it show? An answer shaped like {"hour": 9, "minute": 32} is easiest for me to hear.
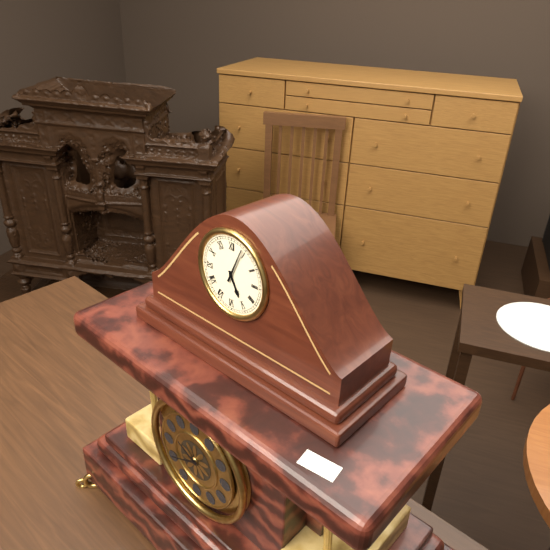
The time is {"hour": 5, "minute": 4}
